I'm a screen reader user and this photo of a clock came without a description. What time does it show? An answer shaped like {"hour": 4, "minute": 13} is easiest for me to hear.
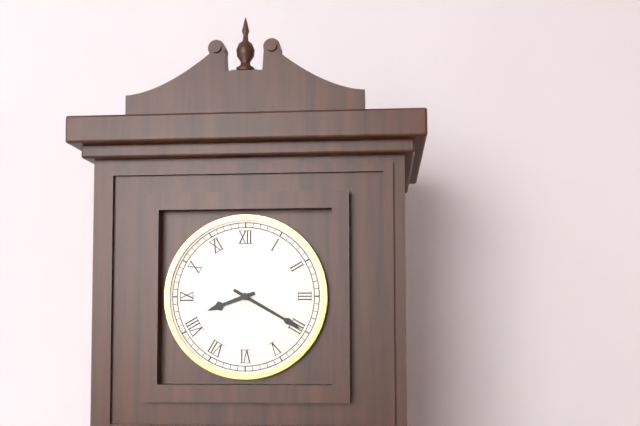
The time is {"hour": 8, "minute": 20}
